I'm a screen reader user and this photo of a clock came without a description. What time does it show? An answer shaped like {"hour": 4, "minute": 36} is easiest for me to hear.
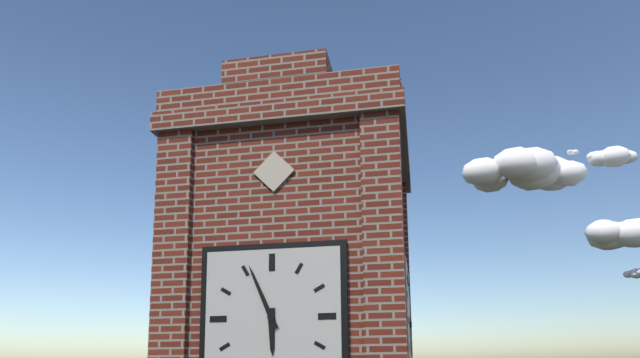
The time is {"hour": 5, "minute": 56}
